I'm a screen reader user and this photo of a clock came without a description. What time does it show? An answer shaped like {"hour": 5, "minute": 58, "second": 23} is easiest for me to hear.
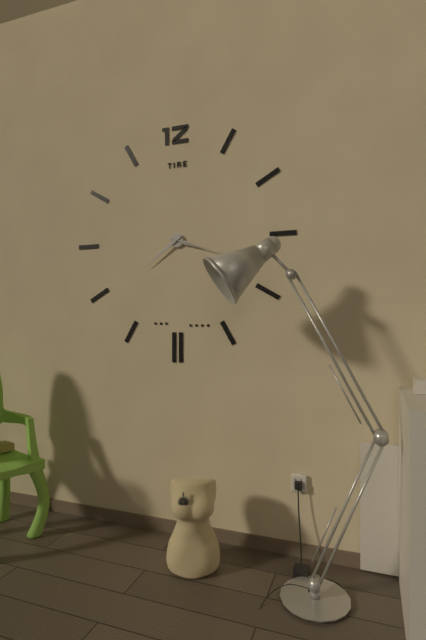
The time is {"hour": 3, "minute": 39, "second": 18}
